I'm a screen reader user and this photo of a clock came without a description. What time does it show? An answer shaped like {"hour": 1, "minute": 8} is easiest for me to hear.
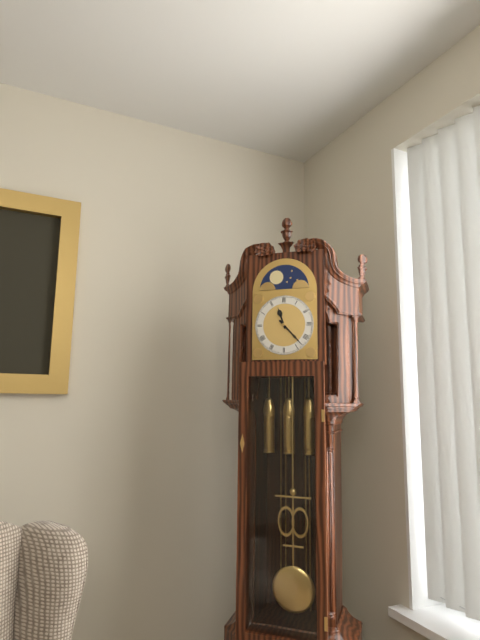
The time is {"hour": 11, "minute": 23}
